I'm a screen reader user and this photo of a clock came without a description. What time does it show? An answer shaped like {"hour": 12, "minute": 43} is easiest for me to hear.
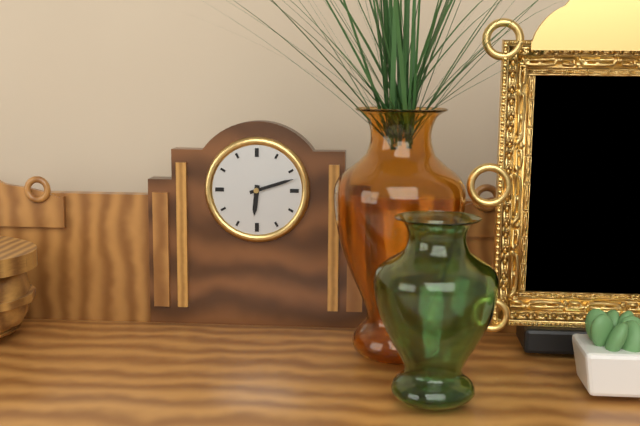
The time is {"hour": 6, "minute": 12}
